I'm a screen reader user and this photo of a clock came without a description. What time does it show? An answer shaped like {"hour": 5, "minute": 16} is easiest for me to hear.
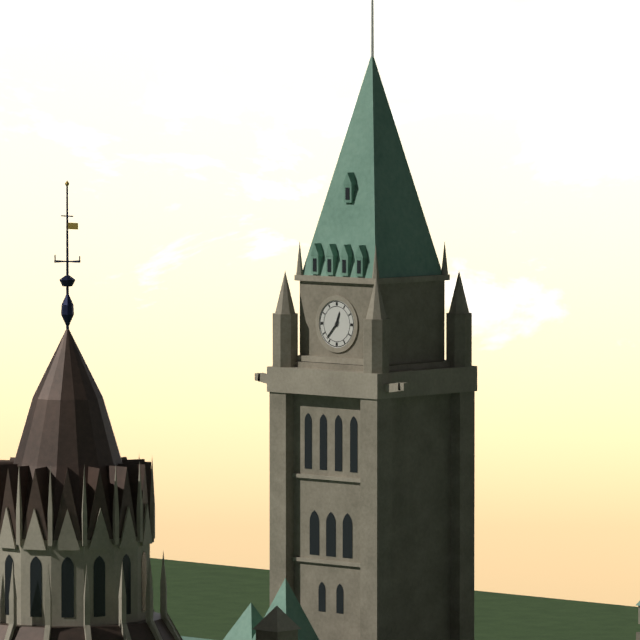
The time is {"hour": 12, "minute": 37}
